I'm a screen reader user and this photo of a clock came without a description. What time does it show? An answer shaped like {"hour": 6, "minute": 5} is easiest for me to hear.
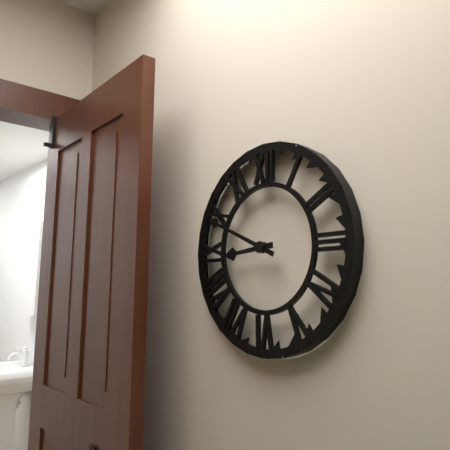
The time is {"hour": 8, "minute": 49}
